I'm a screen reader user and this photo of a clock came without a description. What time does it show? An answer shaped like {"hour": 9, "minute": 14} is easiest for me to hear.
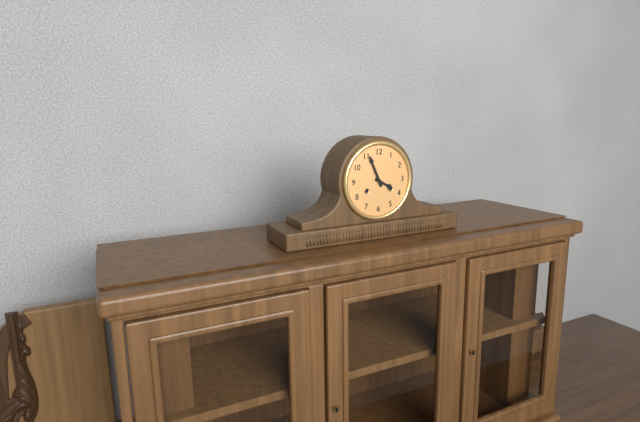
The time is {"hour": 3, "minute": 56}
